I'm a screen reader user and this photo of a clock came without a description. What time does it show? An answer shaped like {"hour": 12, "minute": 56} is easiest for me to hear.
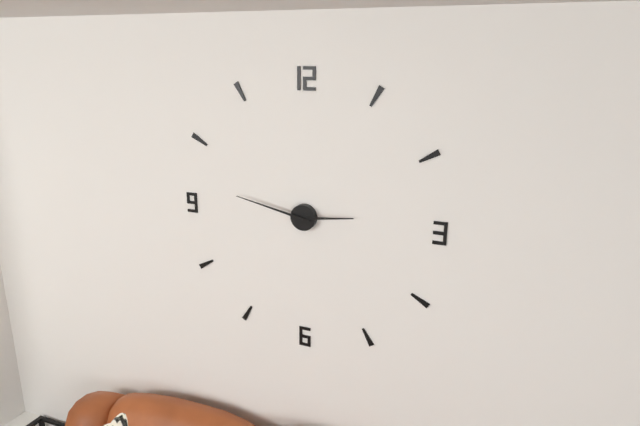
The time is {"hour": 2, "minute": 47}
